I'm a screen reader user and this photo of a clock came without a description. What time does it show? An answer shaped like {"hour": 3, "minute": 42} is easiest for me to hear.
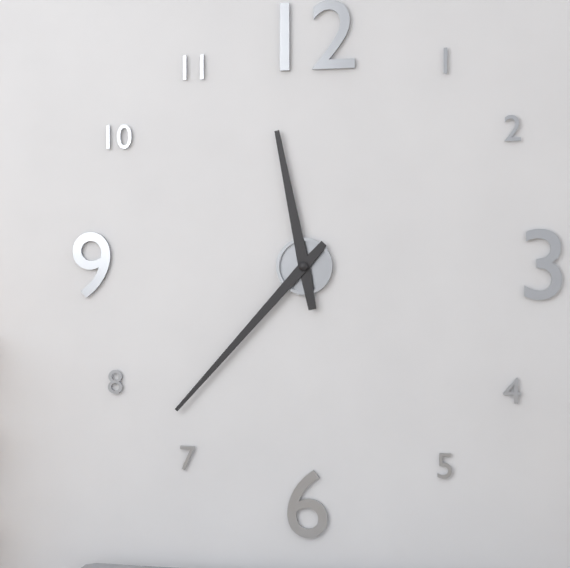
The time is {"hour": 11, "minute": 37}
